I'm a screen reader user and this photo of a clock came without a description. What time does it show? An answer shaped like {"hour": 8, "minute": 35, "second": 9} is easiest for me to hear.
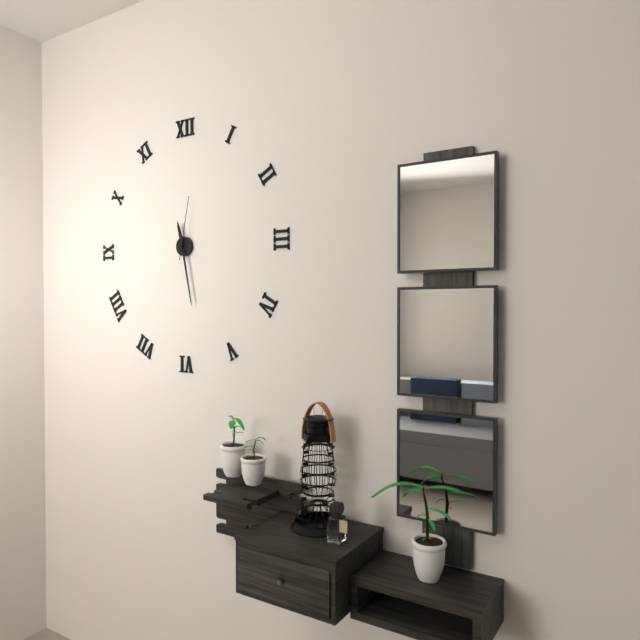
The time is {"hour": 11, "minute": 28, "second": 2}
